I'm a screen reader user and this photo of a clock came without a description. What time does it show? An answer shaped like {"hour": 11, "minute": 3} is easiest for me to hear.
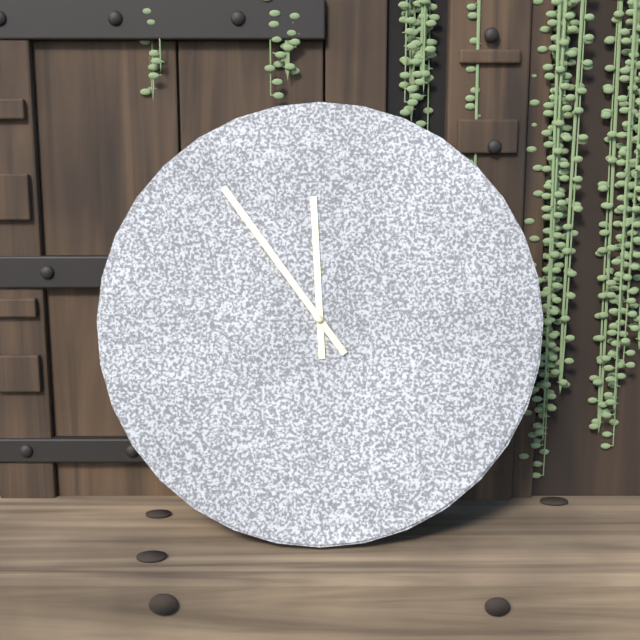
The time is {"hour": 11, "minute": 54}
